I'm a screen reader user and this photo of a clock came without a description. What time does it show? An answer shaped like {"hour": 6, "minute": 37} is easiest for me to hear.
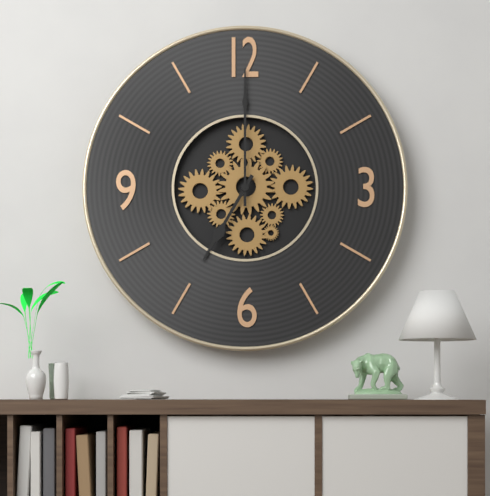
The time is {"hour": 7, "minute": 0}
